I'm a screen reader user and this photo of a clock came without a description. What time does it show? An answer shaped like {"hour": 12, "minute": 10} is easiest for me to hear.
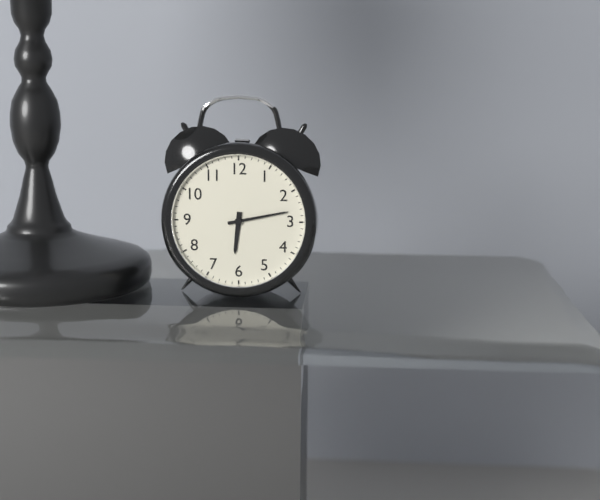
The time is {"hour": 6, "minute": 13}
